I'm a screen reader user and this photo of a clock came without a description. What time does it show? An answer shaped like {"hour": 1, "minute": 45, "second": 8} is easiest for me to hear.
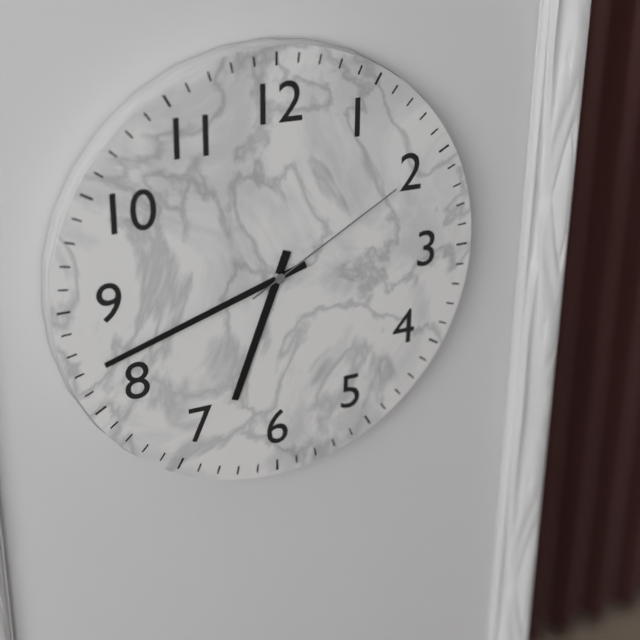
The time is {"hour": 6, "minute": 42, "second": 10}
